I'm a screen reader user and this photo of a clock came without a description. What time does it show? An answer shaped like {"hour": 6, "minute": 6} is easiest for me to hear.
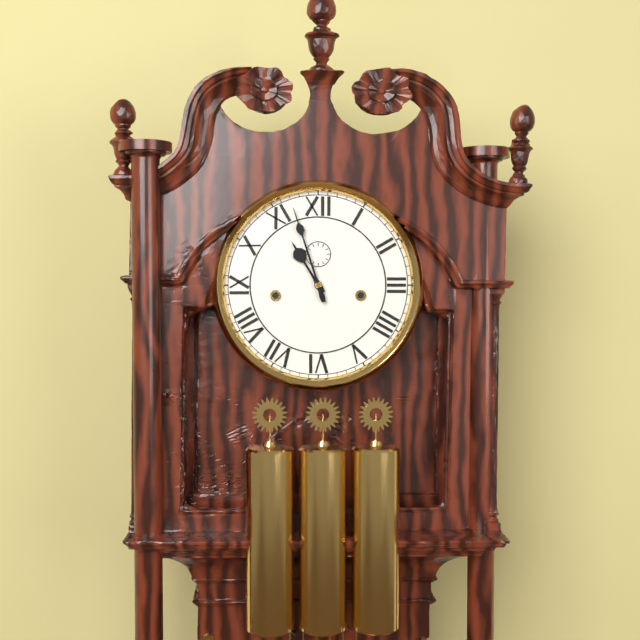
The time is {"hour": 10, "minute": 57}
